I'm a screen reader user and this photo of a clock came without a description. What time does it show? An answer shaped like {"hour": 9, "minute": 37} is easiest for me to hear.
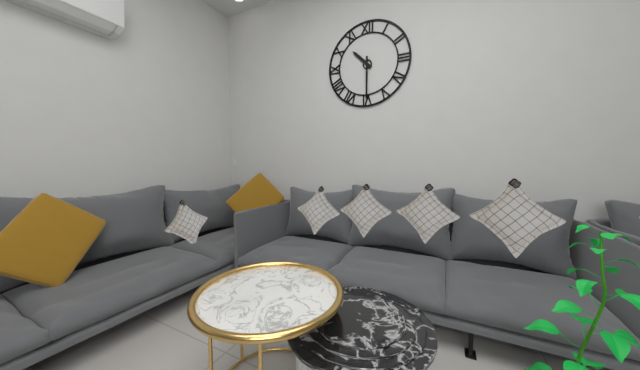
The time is {"hour": 10, "minute": 30}
